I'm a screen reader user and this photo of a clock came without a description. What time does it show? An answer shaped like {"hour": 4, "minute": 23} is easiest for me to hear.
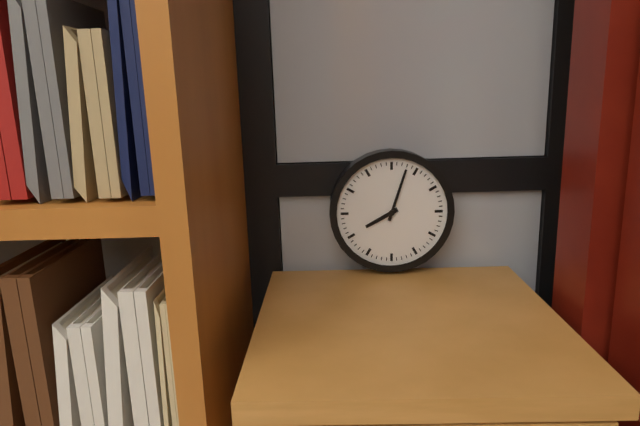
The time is {"hour": 8, "minute": 3}
